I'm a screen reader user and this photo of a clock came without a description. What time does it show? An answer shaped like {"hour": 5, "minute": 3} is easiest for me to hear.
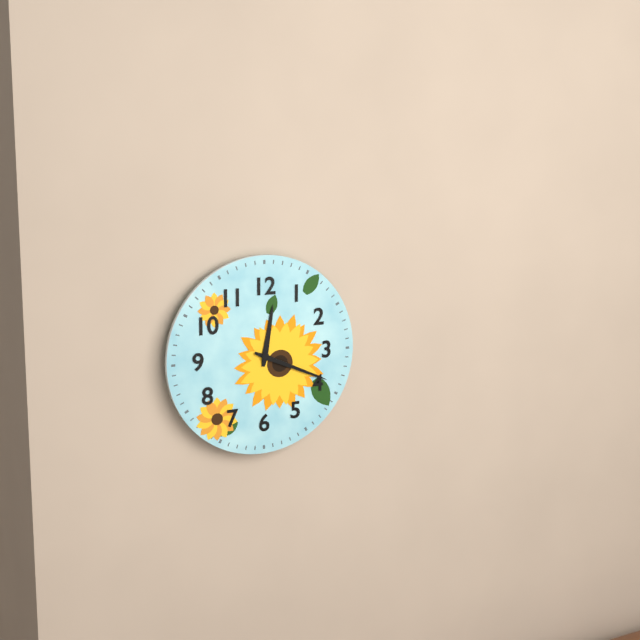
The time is {"hour": 12, "minute": 19}
